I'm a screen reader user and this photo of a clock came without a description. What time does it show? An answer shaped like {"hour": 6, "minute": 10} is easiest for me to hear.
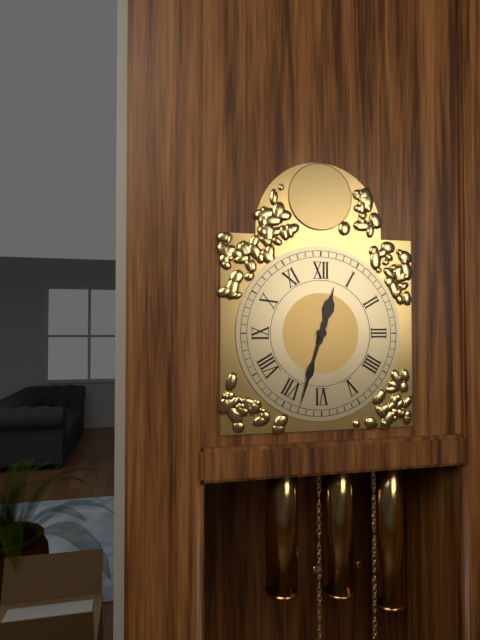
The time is {"hour": 12, "minute": 33}
